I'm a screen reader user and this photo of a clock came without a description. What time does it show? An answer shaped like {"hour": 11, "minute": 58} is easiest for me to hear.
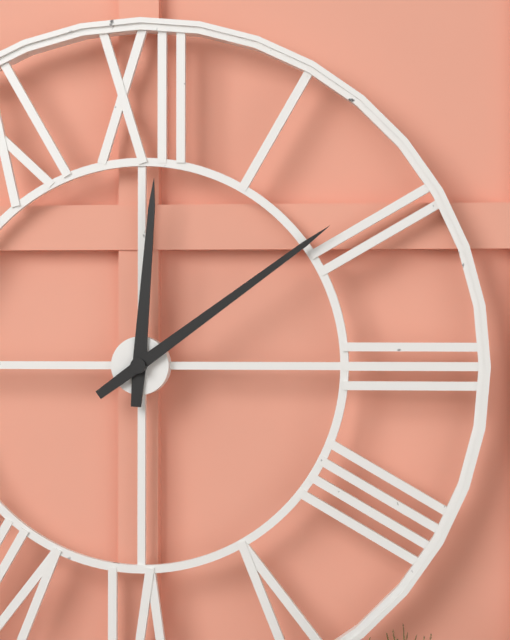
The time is {"hour": 12, "minute": 9}
